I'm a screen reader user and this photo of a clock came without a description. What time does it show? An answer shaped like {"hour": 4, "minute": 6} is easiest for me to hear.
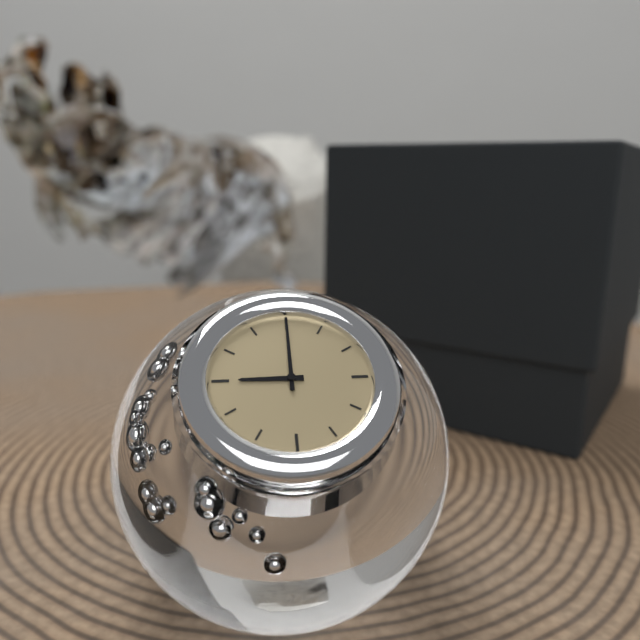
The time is {"hour": 9, "minute": 0}
